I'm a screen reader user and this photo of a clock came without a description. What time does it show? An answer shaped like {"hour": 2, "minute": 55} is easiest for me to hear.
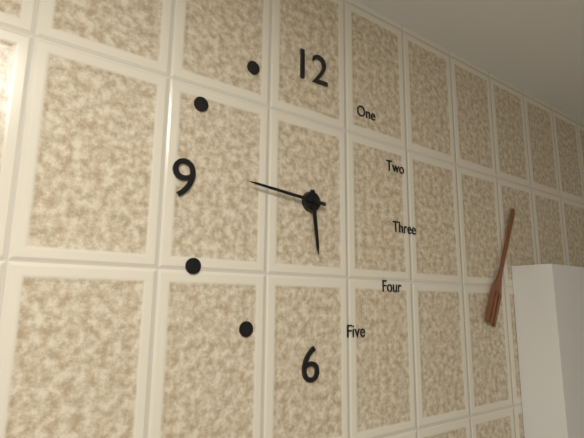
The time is {"hour": 5, "minute": 46}
